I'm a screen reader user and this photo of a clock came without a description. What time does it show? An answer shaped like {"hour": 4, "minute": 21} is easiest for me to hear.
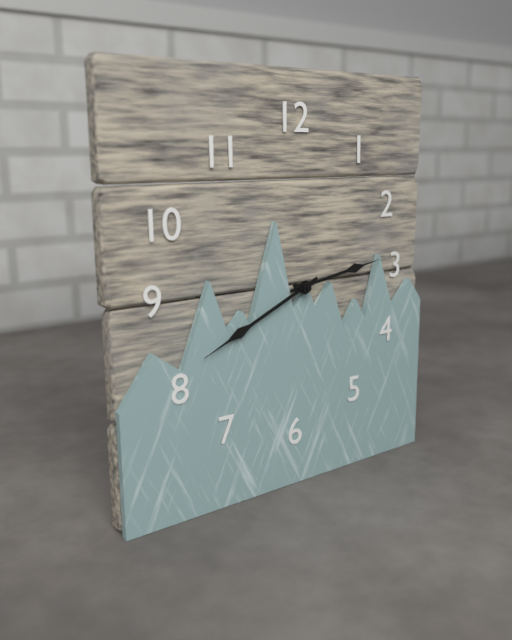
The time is {"hour": 2, "minute": 41}
